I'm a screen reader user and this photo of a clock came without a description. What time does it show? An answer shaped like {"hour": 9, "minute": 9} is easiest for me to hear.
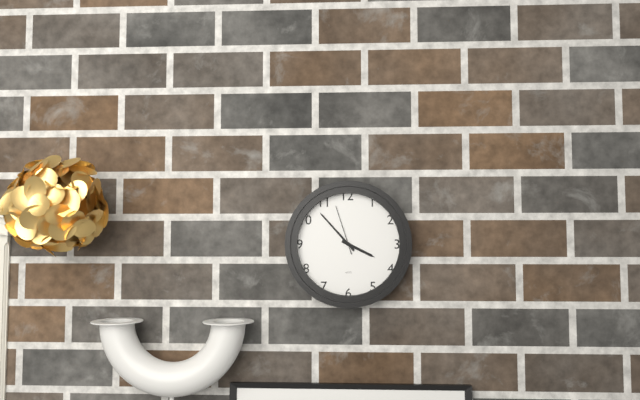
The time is {"hour": 3, "minute": 53}
